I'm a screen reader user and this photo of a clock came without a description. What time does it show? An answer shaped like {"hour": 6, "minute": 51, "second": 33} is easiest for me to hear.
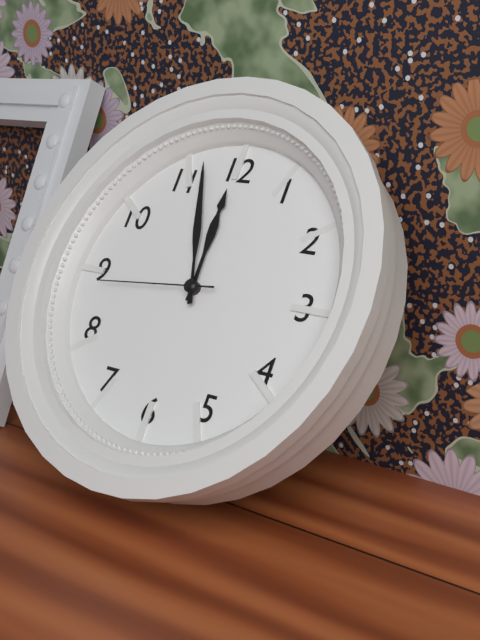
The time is {"hour": 11, "minute": 57, "second": 44}
